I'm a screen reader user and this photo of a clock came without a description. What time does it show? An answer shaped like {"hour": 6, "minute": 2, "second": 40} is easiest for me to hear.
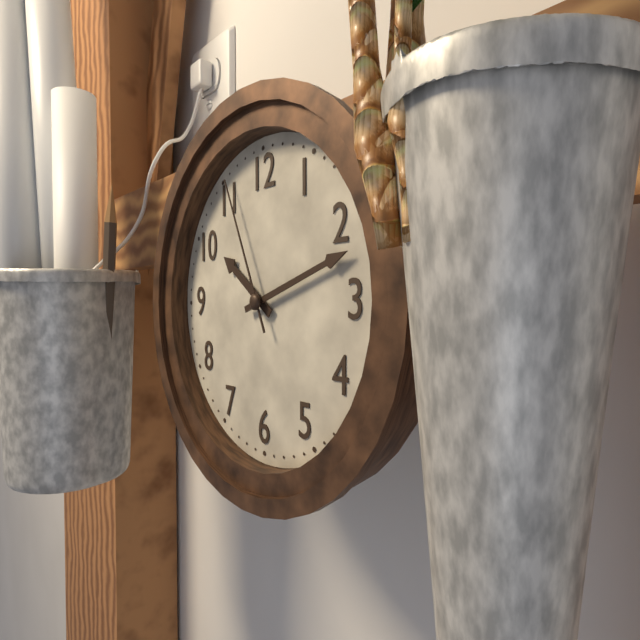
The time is {"hour": 10, "minute": 12, "second": 56}
